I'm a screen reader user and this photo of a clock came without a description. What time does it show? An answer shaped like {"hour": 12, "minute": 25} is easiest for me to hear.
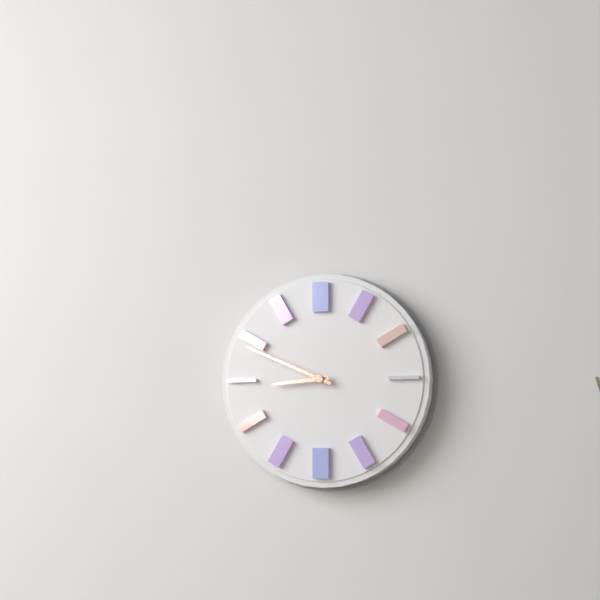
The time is {"hour": 8, "minute": 49}
